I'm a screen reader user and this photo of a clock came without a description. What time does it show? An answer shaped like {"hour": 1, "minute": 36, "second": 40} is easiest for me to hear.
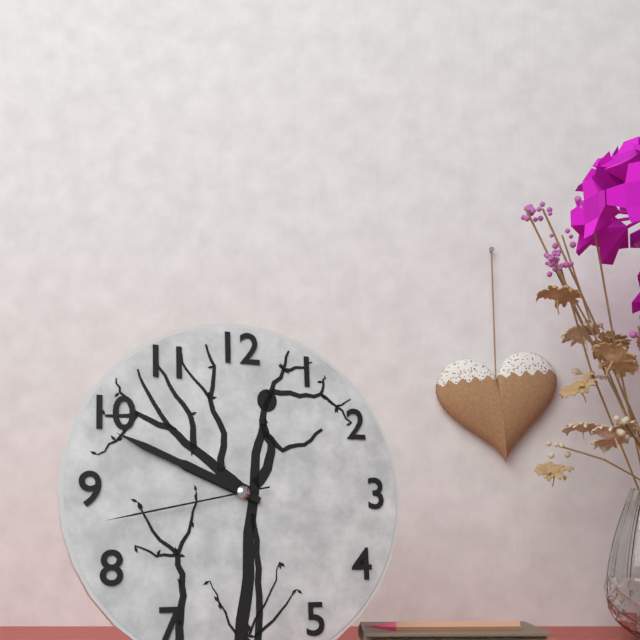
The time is {"hour": 9, "minute": 49, "second": 43}
